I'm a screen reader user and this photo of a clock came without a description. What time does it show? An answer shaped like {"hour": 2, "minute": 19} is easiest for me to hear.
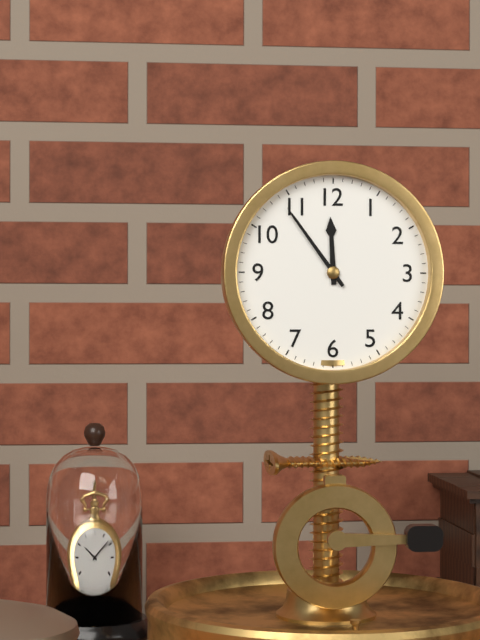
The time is {"hour": 11, "minute": 54}
